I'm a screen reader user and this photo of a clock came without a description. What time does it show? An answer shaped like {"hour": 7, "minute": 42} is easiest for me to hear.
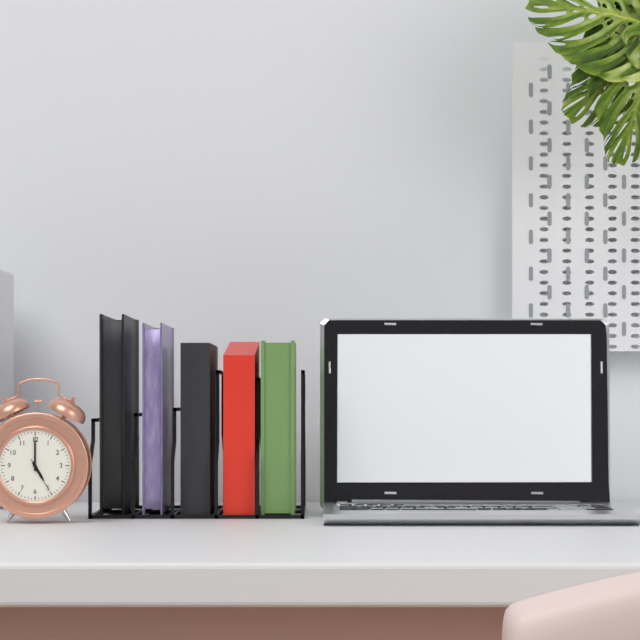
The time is {"hour": 5, "minute": 0}
